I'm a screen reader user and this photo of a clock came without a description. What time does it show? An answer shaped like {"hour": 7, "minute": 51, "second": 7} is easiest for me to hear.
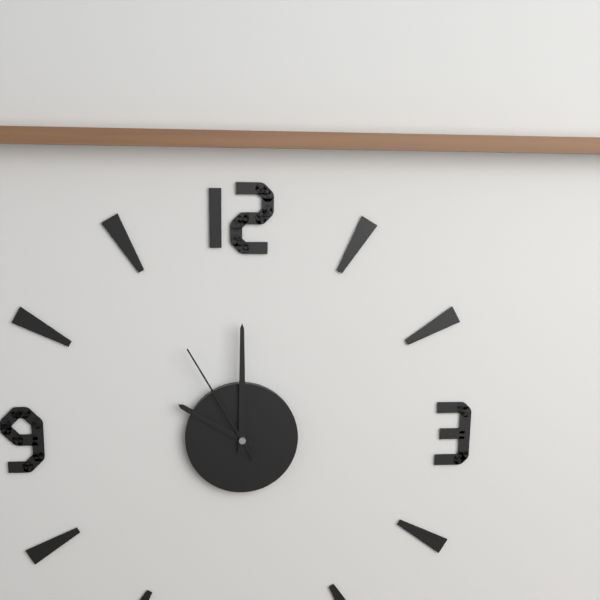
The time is {"hour": 10, "minute": 0, "second": 55}
